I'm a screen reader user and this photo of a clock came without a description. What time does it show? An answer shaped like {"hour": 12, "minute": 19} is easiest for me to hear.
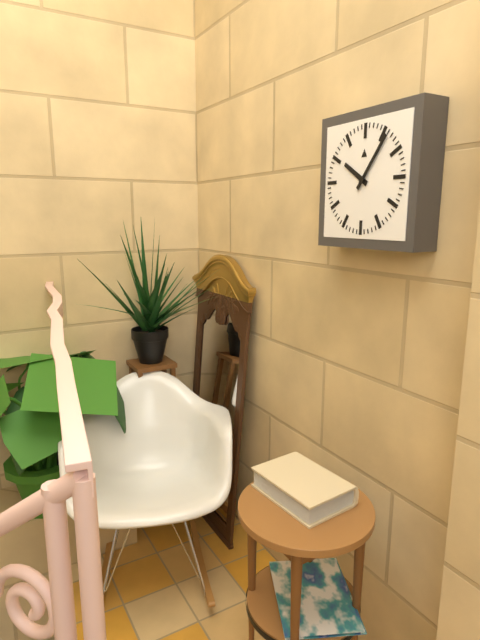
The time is {"hour": 10, "minute": 6}
